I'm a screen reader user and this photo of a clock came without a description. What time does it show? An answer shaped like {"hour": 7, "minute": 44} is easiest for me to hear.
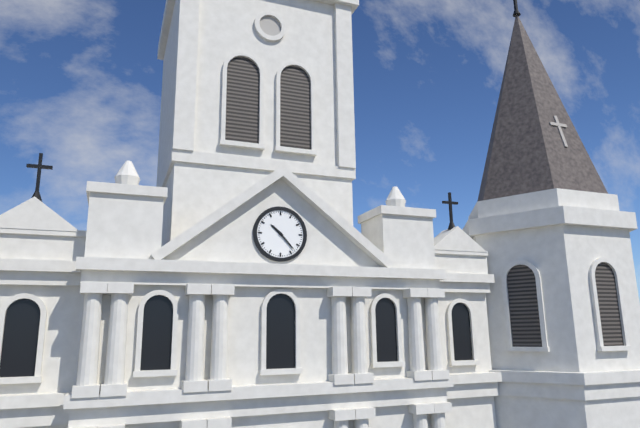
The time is {"hour": 10, "minute": 23}
